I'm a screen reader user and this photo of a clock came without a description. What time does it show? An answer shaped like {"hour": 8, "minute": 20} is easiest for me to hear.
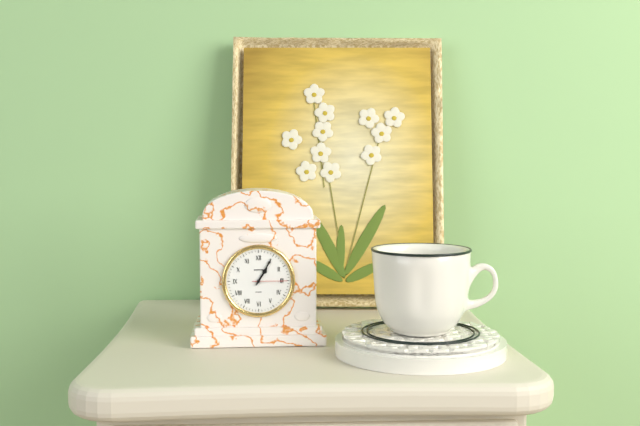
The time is {"hour": 1, "minute": 5}
